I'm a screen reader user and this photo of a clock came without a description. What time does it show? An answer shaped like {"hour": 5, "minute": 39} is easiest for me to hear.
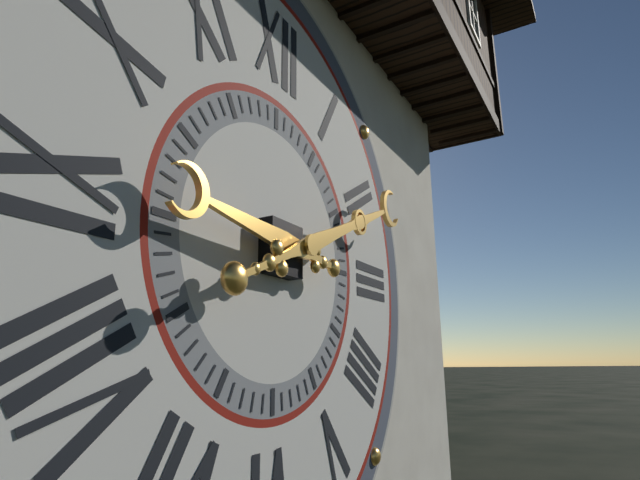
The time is {"hour": 9, "minute": 11}
